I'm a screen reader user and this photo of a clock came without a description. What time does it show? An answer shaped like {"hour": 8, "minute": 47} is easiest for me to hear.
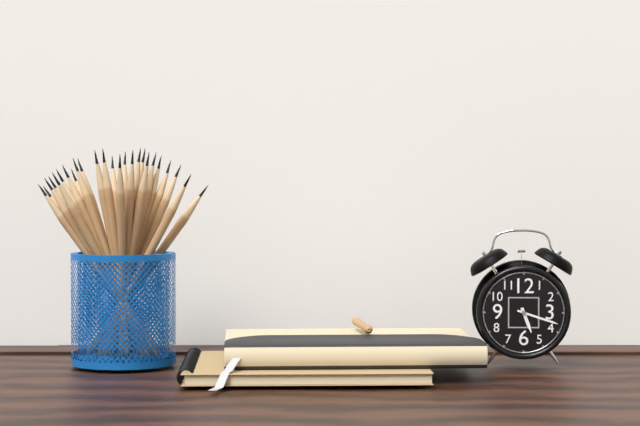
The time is {"hour": 5, "minute": 18}
